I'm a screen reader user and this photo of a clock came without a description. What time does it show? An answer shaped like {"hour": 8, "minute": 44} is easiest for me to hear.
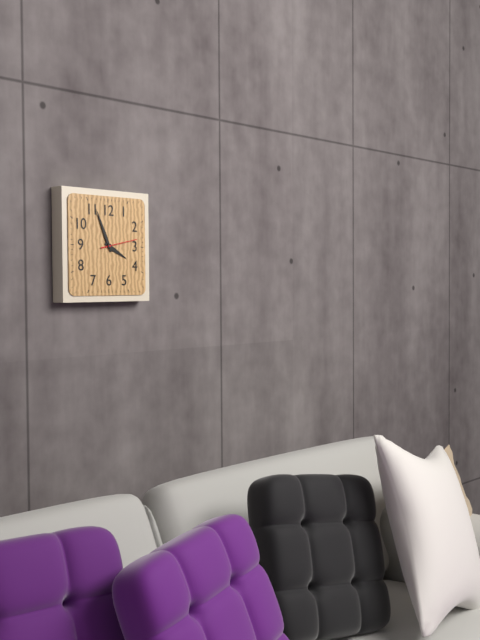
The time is {"hour": 3, "minute": 56}
